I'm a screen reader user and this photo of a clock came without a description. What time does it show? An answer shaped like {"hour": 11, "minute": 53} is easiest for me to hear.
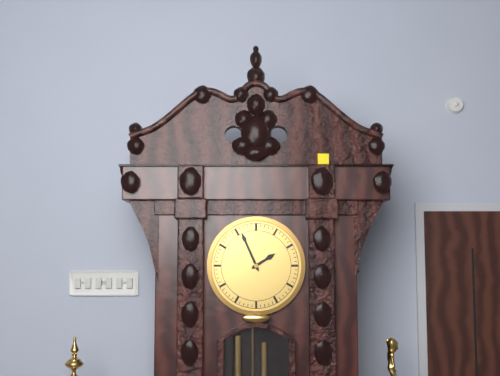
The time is {"hour": 1, "minute": 56}
